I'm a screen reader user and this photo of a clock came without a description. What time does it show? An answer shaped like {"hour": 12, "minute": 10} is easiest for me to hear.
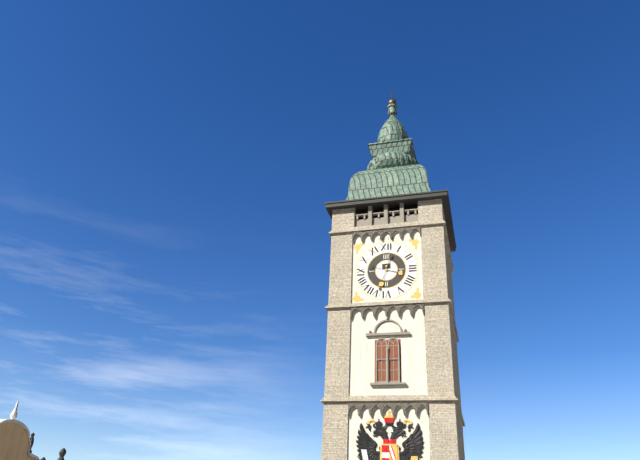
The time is {"hour": 3, "minute": 33}
